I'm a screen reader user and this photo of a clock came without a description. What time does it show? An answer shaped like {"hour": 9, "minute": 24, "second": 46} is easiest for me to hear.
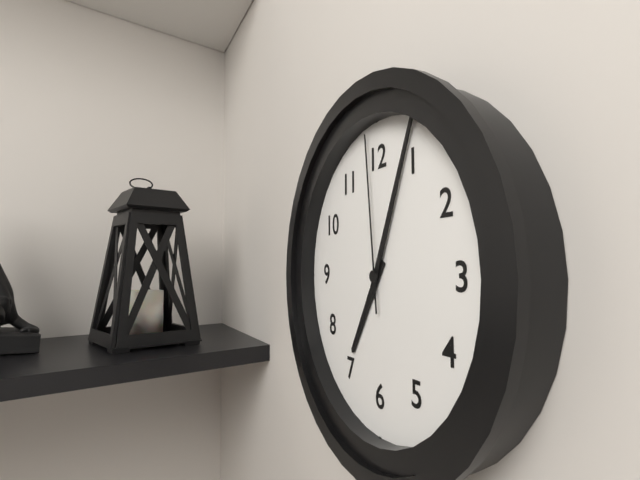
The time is {"hour": 7, "minute": 4, "second": 59}
